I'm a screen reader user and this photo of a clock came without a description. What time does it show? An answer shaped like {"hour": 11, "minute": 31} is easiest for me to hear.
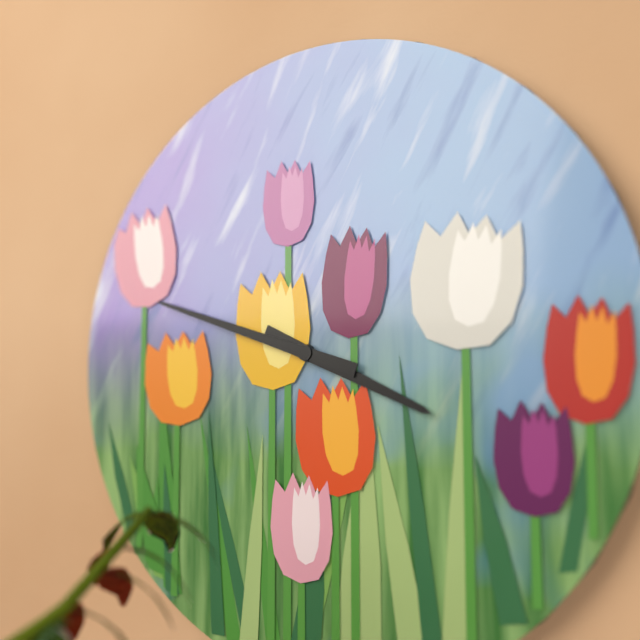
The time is {"hour": 3, "minute": 48}
